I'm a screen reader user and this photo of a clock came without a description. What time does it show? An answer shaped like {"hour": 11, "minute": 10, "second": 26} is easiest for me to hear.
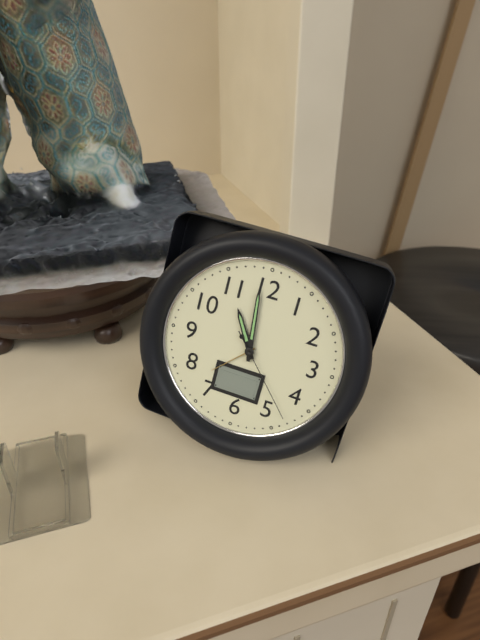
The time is {"hour": 10, "minute": 59, "second": 23}
